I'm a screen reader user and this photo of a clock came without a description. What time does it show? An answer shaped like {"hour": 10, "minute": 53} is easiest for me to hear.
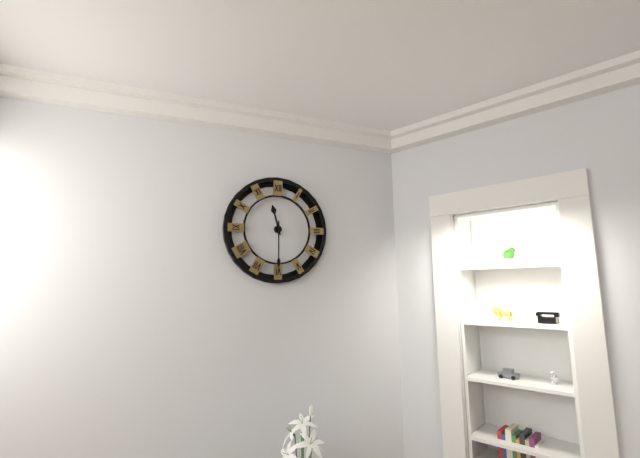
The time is {"hour": 11, "minute": 30}
